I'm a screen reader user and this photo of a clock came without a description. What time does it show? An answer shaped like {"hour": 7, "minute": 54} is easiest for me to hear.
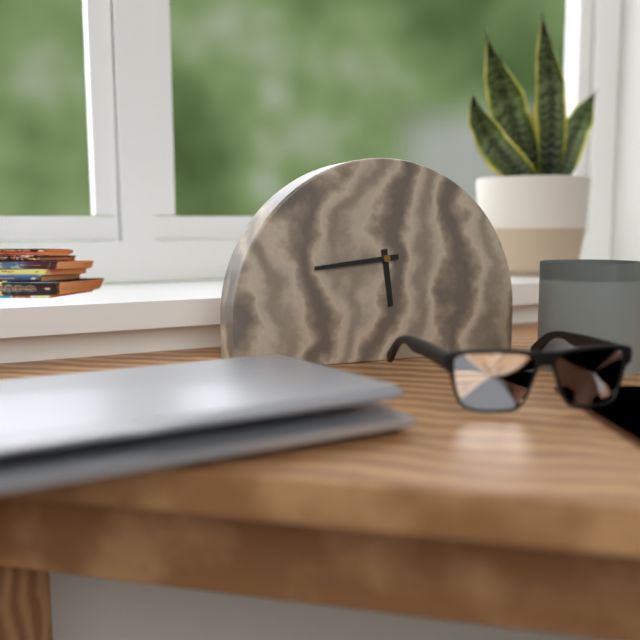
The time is {"hour": 5, "minute": 44}
